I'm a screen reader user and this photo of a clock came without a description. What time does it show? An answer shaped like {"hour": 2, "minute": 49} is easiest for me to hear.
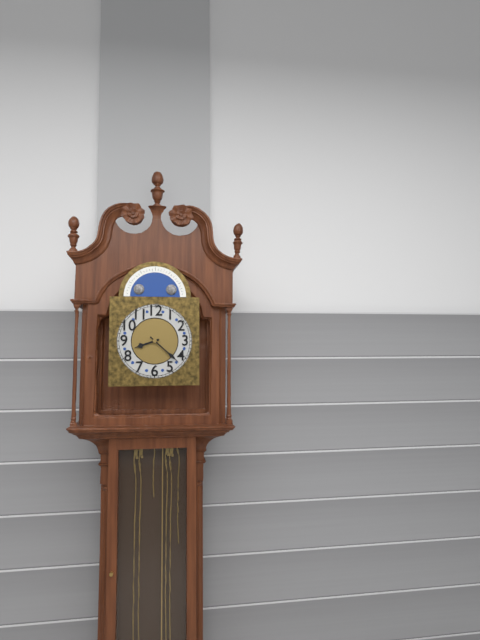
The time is {"hour": 8, "minute": 22}
